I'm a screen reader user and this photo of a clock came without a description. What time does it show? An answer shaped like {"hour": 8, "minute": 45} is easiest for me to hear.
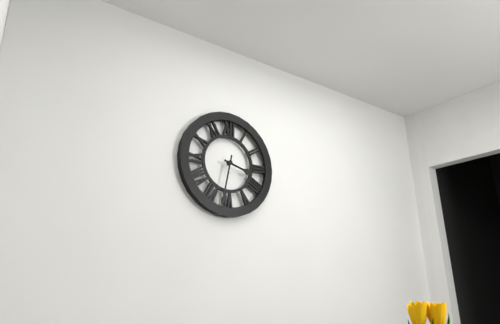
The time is {"hour": 3, "minute": 32}
